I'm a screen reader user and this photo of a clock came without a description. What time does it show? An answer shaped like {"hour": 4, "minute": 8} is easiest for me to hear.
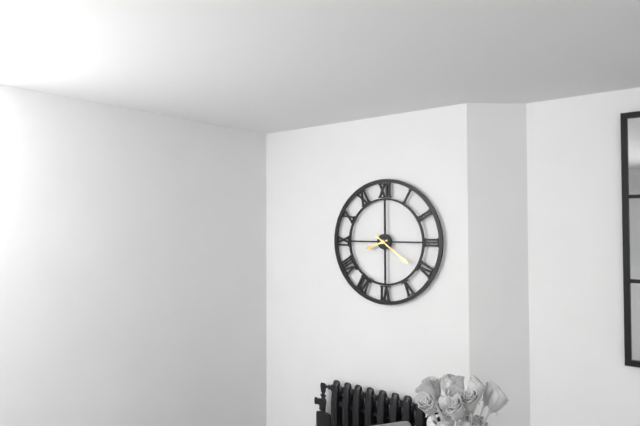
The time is {"hour": 8, "minute": 21}
